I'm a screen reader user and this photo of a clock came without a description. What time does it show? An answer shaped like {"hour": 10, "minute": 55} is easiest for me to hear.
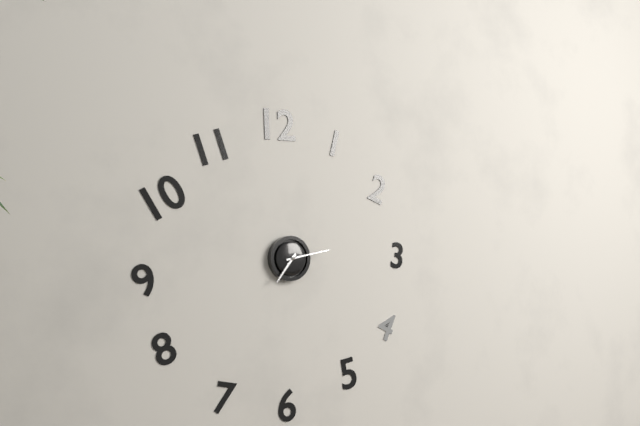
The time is {"hour": 7, "minute": 13}
